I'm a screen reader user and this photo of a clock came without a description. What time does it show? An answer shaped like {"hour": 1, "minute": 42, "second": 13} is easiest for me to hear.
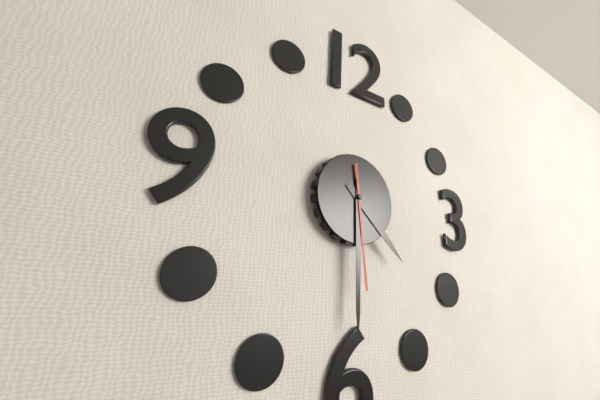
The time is {"hour": 4, "minute": 30, "second": 29}
